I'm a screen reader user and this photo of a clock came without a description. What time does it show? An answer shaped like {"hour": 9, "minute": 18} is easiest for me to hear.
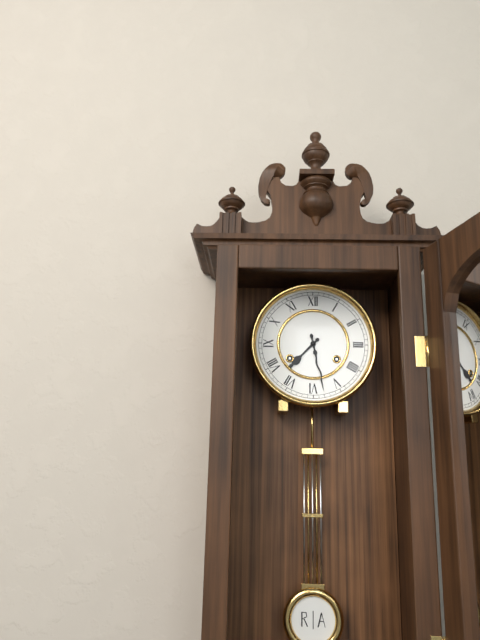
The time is {"hour": 7, "minute": 28}
